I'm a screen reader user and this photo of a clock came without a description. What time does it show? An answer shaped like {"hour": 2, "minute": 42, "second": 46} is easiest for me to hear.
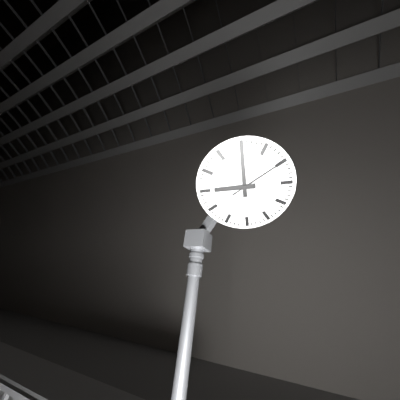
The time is {"hour": 9, "minute": 0, "second": 10}
